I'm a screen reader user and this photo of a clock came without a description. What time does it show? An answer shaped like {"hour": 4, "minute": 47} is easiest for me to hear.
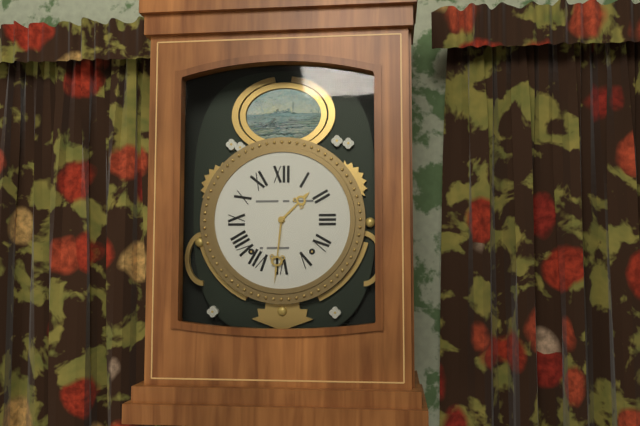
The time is {"hour": 1, "minute": 31}
